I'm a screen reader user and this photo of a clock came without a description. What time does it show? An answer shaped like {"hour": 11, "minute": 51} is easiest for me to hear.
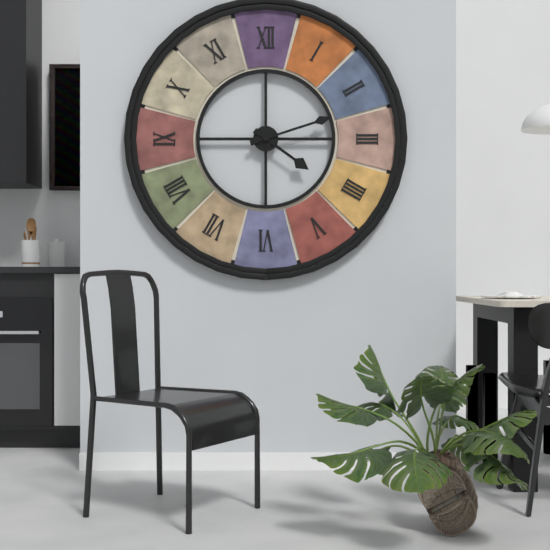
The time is {"hour": 4, "minute": 12}
